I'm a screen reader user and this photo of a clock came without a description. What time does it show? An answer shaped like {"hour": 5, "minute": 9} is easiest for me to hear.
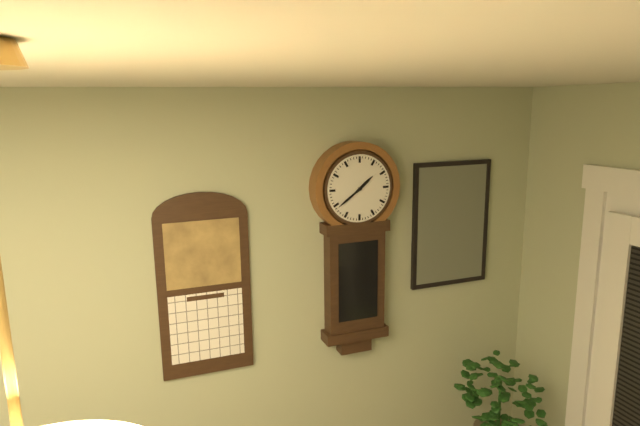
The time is {"hour": 1, "minute": 39}
